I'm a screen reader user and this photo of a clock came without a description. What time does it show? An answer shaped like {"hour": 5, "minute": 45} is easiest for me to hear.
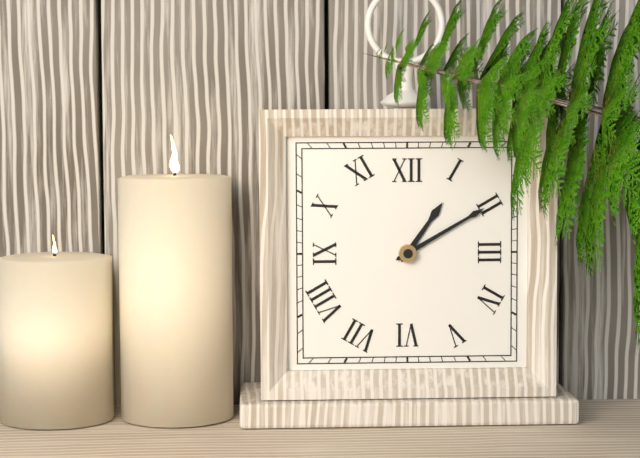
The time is {"hour": 1, "minute": 10}
